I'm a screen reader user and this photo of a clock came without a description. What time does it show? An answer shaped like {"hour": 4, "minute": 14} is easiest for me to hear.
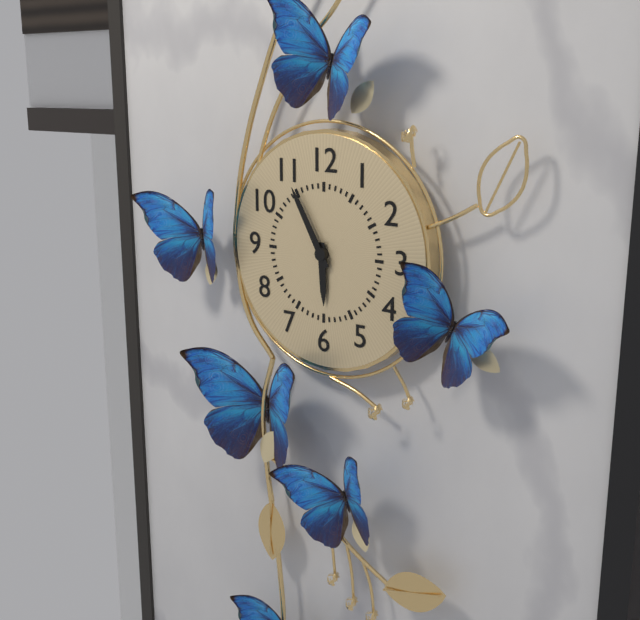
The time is {"hour": 5, "minute": 55}
